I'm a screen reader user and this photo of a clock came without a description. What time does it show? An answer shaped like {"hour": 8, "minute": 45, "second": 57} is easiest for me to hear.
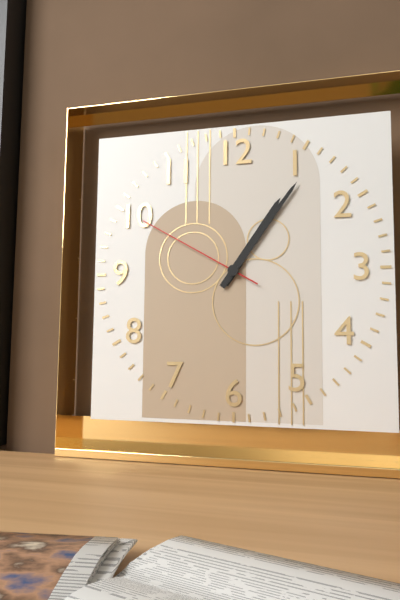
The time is {"hour": 1, "minute": 6, "second": 50}
